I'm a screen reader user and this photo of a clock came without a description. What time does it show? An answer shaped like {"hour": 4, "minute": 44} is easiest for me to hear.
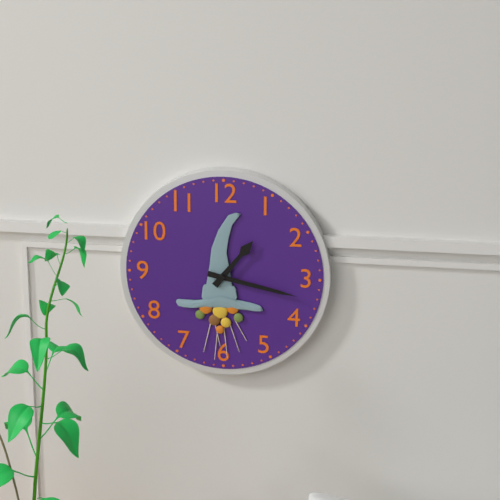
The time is {"hour": 1, "minute": 17}
